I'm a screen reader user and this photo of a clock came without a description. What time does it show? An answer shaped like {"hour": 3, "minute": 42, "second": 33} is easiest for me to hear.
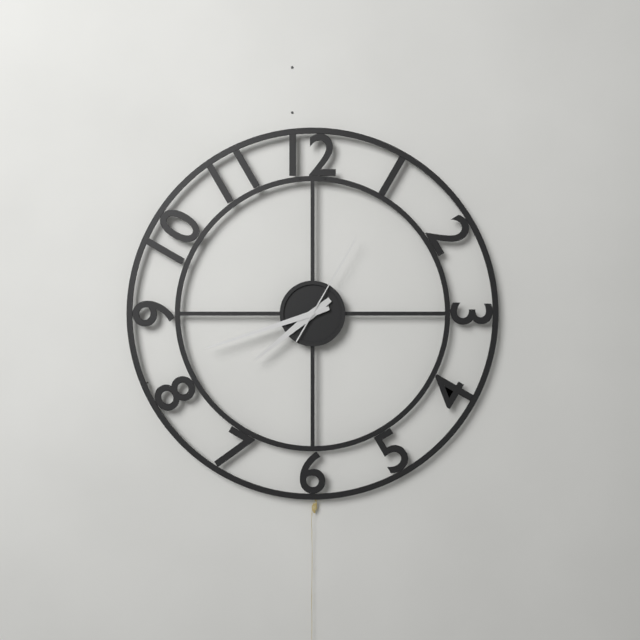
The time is {"hour": 7, "minute": 42, "second": 5}
